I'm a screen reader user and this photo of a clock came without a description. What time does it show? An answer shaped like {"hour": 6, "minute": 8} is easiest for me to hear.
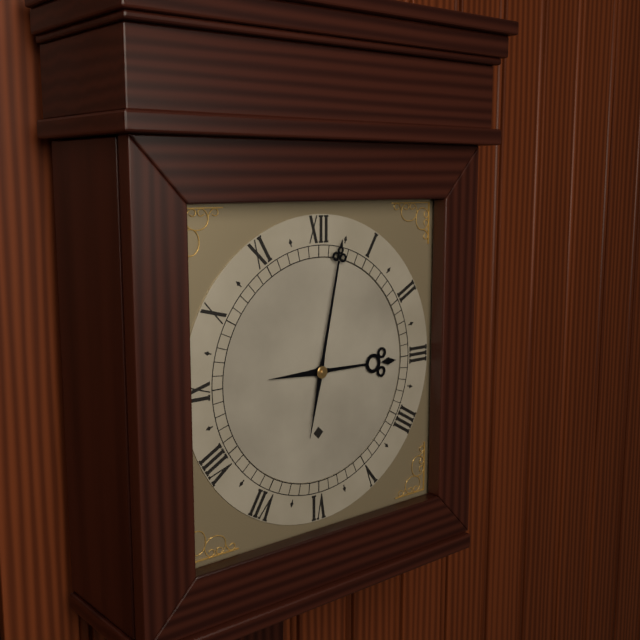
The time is {"hour": 3, "minute": 2}
